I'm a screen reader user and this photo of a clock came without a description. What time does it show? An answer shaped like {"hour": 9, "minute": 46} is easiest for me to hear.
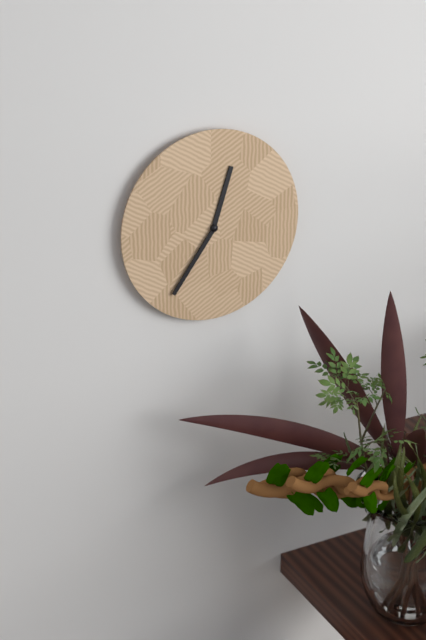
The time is {"hour": 12, "minute": 36}
